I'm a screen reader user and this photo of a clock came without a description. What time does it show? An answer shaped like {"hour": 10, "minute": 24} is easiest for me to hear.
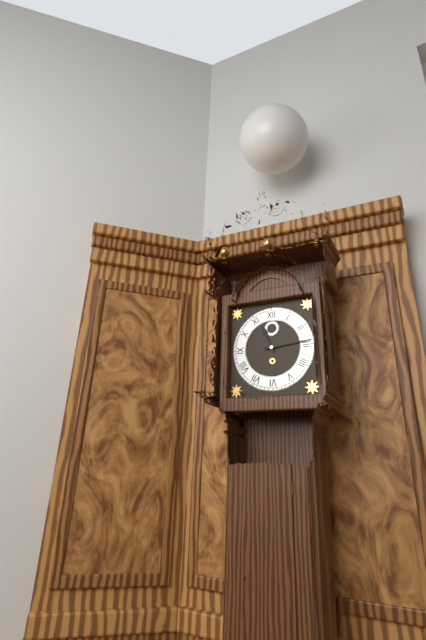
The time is {"hour": 11, "minute": 14}
